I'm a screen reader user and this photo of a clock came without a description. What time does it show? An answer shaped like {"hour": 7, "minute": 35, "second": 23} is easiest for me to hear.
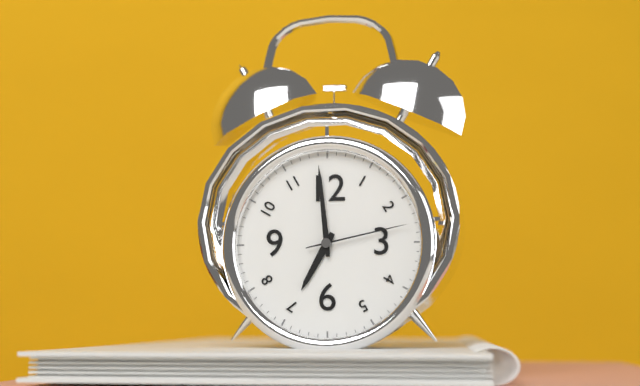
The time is {"hour": 6, "minute": 59, "second": 13}
